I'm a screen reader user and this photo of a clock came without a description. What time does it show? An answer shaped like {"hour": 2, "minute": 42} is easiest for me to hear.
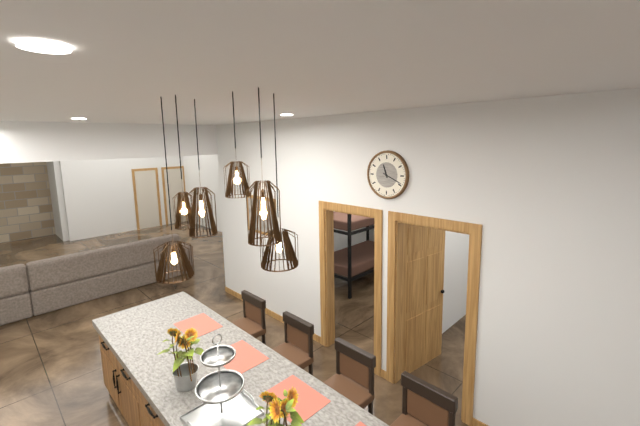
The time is {"hour": 11, "minute": 19}
